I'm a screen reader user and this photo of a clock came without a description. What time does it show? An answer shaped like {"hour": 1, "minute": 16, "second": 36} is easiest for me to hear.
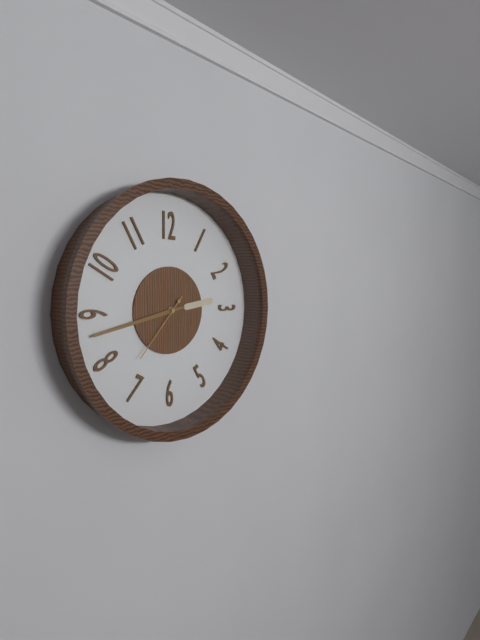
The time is {"hour": 2, "minute": 43, "second": 37}
